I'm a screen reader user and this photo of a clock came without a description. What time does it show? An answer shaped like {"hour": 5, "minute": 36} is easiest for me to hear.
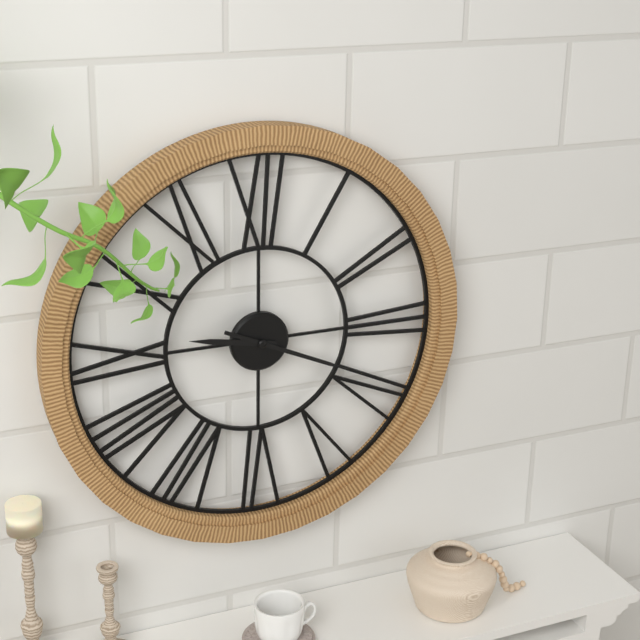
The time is {"hour": 9, "minute": 19}
